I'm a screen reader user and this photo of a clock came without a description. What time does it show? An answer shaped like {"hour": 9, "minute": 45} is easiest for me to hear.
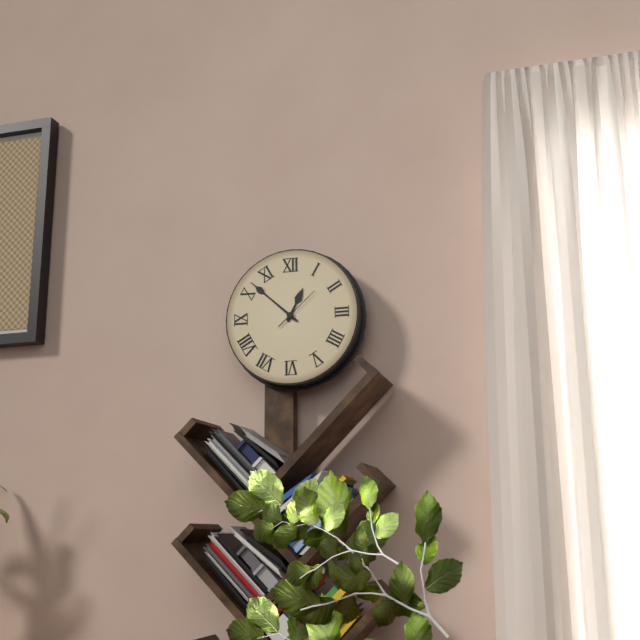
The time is {"hour": 12, "minute": 52}
